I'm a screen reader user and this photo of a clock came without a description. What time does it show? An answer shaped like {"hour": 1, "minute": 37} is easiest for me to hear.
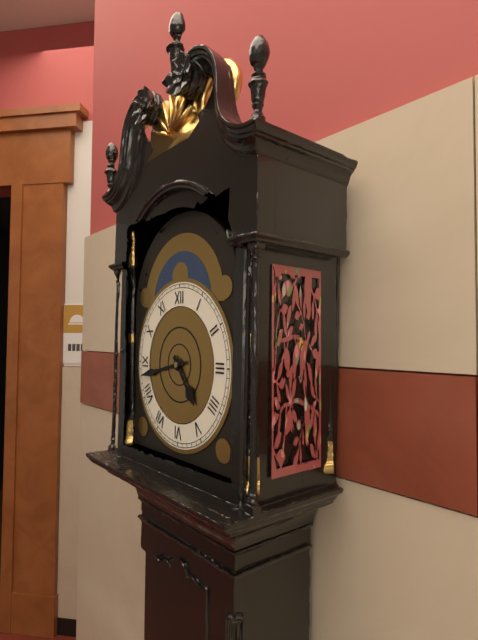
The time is {"hour": 4, "minute": 43}
